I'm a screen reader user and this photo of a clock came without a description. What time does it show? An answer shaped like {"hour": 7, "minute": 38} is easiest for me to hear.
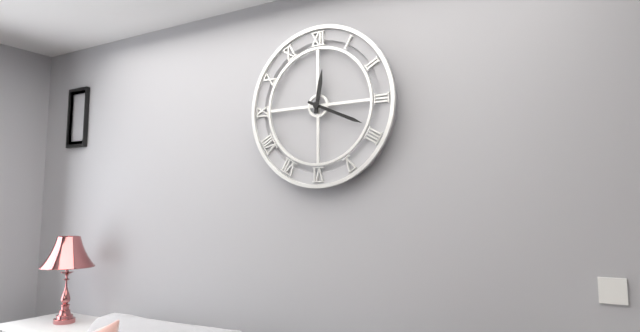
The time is {"hour": 12, "minute": 19}
